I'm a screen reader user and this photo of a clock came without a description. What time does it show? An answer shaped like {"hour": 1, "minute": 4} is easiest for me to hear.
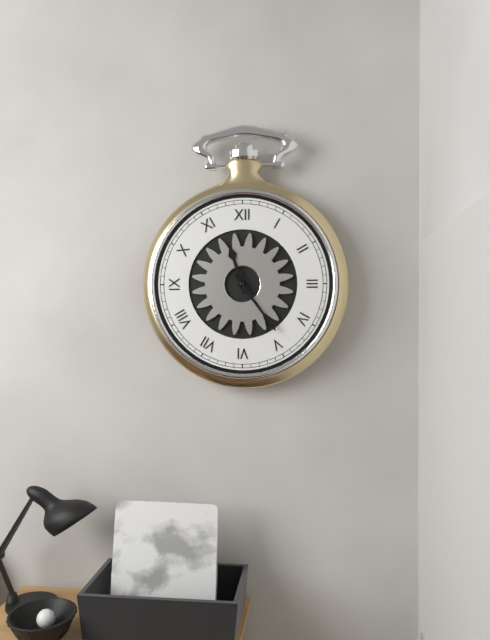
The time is {"hour": 11, "minute": 24}
